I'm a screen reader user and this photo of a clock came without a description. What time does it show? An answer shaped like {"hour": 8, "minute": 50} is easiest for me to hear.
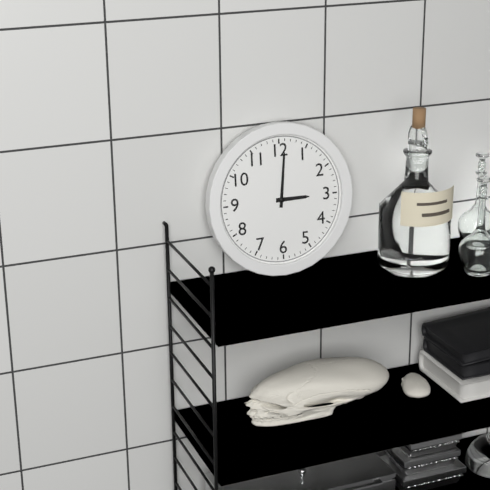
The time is {"hour": 3, "minute": 1}
